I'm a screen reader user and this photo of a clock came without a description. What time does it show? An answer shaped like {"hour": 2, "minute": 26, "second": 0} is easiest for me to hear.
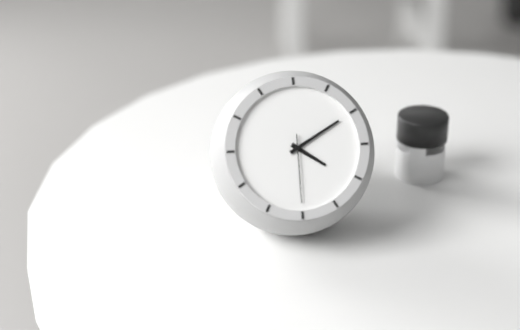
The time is {"hour": 4, "minute": 10, "second": 30}
